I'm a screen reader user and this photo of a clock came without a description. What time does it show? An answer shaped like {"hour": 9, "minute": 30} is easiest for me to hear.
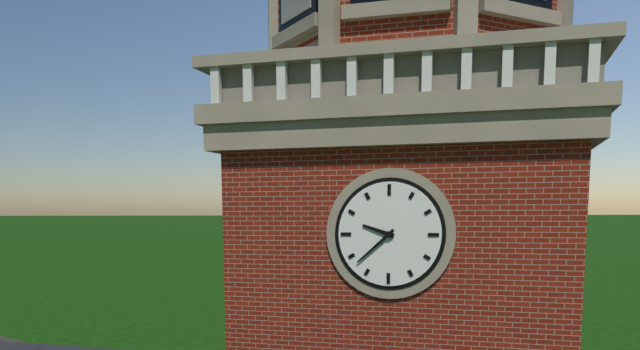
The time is {"hour": 9, "minute": 38}
